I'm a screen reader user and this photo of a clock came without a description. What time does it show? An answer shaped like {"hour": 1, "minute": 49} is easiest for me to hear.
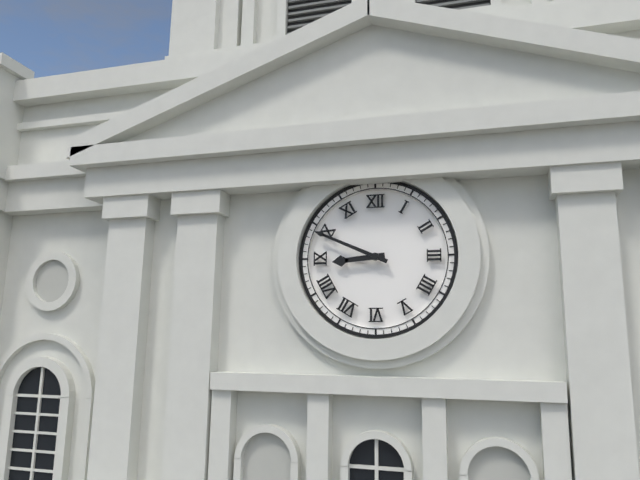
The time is {"hour": 8, "minute": 49}
